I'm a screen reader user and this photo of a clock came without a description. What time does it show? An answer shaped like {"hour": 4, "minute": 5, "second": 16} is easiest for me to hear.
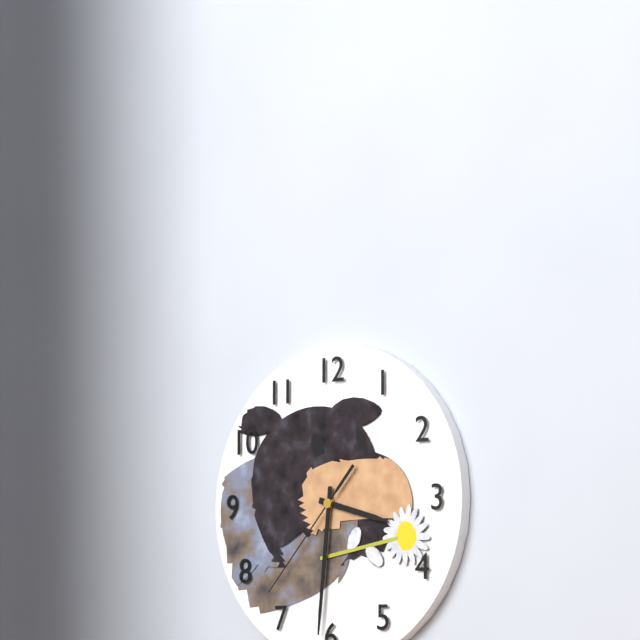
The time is {"hour": 3, "minute": 31, "second": 37}
